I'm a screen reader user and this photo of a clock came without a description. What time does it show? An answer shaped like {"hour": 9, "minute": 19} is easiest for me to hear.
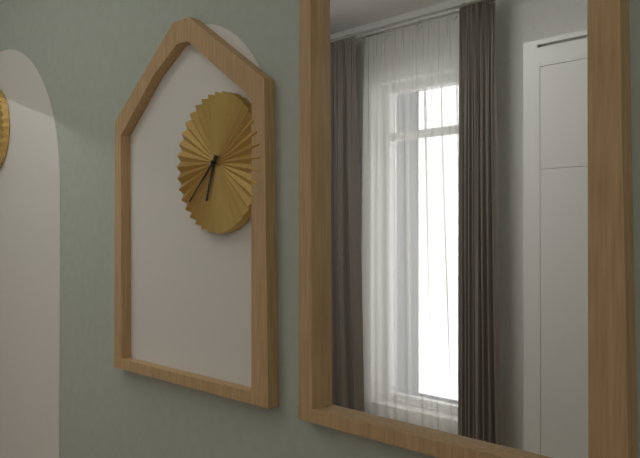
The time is {"hour": 6, "minute": 38}
